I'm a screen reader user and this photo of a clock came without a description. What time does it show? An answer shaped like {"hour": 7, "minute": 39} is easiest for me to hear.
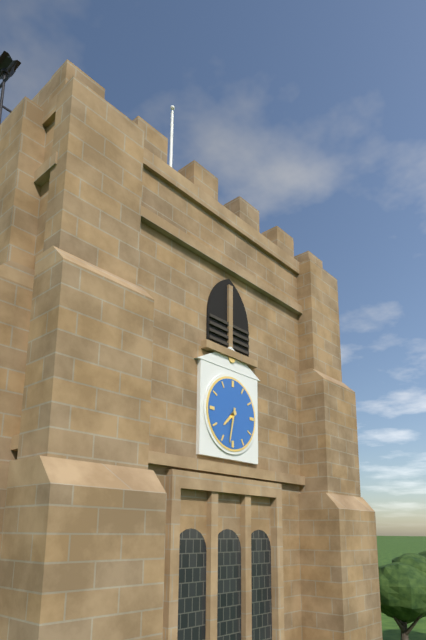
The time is {"hour": 7, "minute": 32}
